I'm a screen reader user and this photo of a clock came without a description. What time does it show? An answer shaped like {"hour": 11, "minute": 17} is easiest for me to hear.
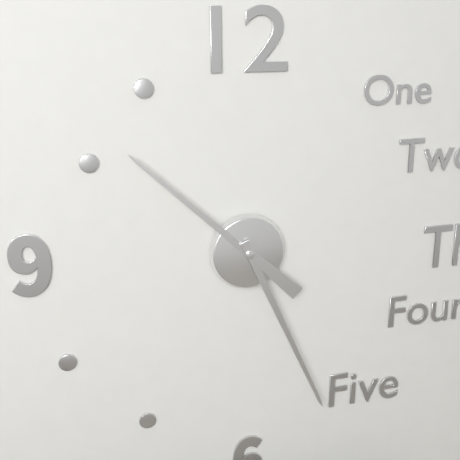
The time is {"hour": 10, "minute": 26}
